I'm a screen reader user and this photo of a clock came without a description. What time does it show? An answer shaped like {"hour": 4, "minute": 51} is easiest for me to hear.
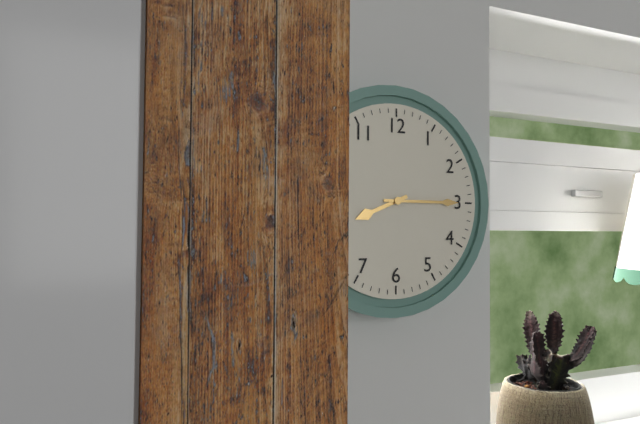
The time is {"hour": 8, "minute": 15}
